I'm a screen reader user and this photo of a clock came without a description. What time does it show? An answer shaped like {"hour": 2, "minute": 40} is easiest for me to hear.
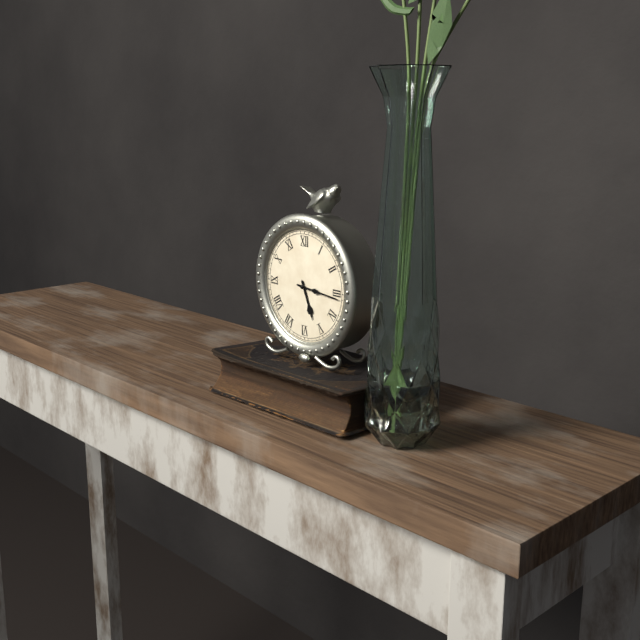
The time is {"hour": 5, "minute": 16}
